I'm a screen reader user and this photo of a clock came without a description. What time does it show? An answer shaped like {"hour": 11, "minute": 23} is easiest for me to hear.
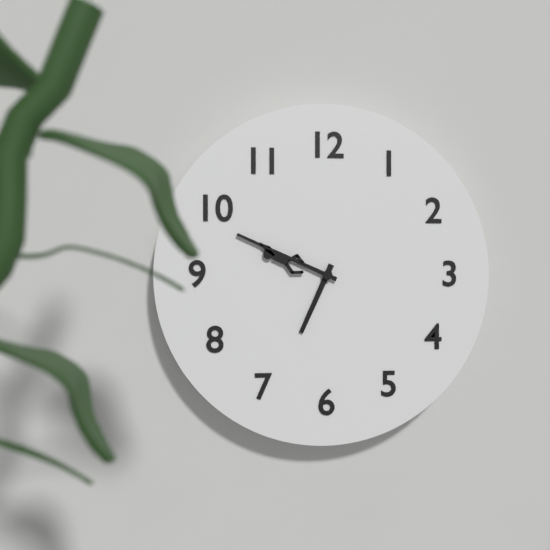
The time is {"hour": 6, "minute": 49}
